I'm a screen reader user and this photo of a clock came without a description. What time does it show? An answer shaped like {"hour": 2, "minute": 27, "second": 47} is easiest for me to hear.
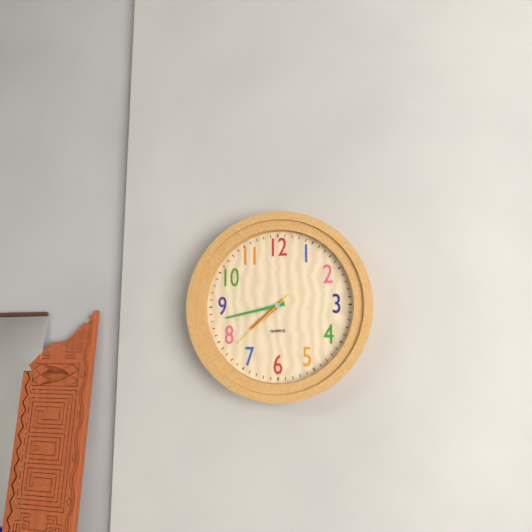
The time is {"hour": 7, "minute": 43, "second": 38}
